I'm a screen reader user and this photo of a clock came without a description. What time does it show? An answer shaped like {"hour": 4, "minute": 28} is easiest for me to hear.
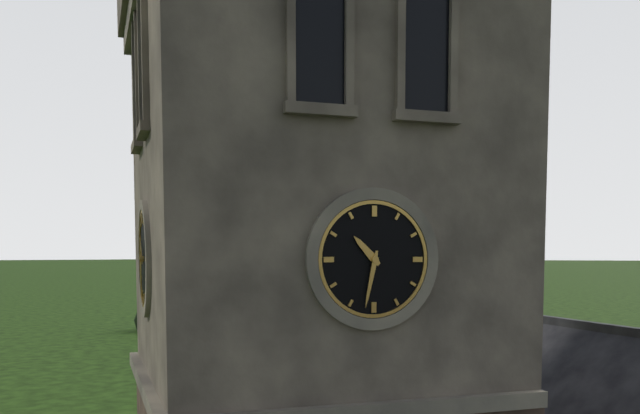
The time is {"hour": 10, "minute": 32}
